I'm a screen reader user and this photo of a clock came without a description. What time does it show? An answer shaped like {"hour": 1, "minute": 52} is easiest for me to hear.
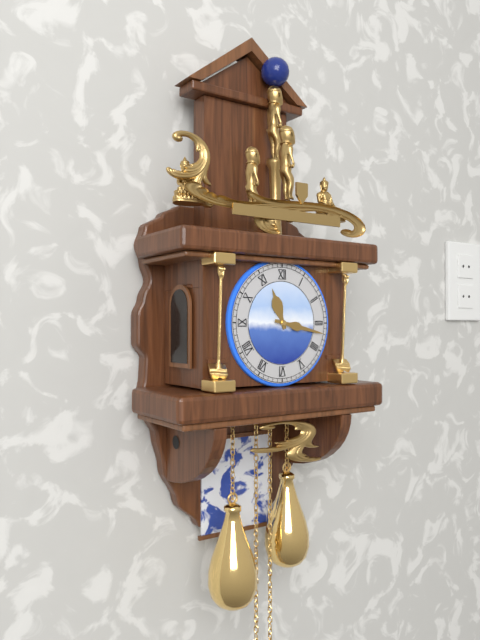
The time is {"hour": 11, "minute": 17}
